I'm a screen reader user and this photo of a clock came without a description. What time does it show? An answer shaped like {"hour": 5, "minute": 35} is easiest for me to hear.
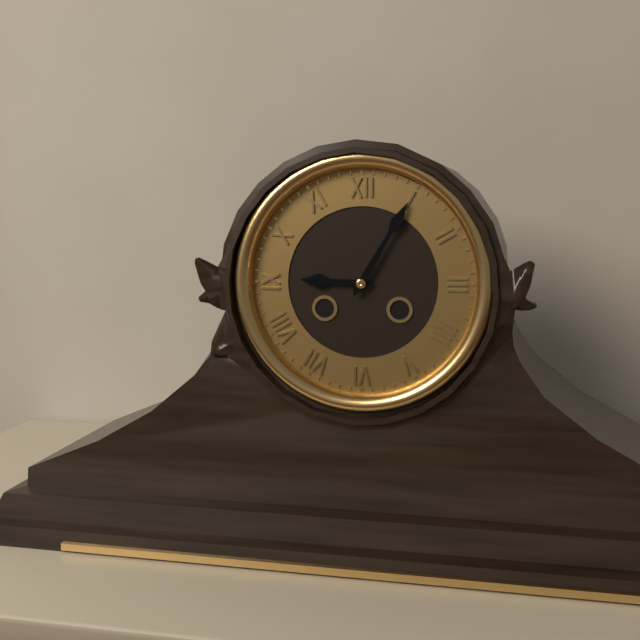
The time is {"hour": 9, "minute": 5}
